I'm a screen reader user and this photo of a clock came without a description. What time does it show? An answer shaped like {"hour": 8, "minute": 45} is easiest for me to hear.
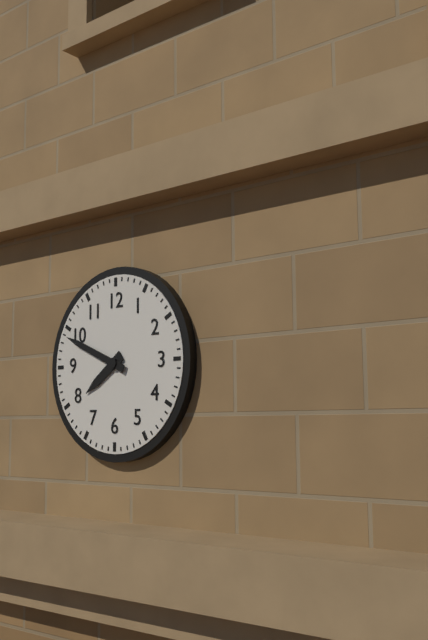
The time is {"hour": 7, "minute": 49}
